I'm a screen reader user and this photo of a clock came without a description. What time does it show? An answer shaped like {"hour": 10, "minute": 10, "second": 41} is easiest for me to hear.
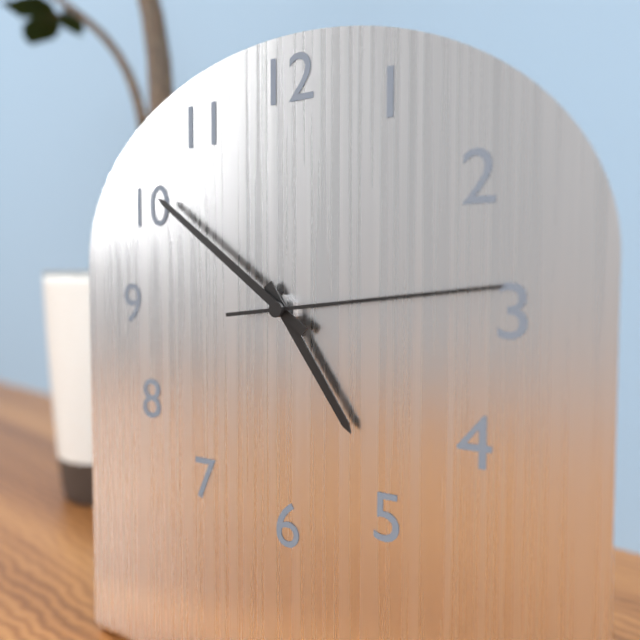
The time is {"hour": 4, "minute": 51, "second": 14}
